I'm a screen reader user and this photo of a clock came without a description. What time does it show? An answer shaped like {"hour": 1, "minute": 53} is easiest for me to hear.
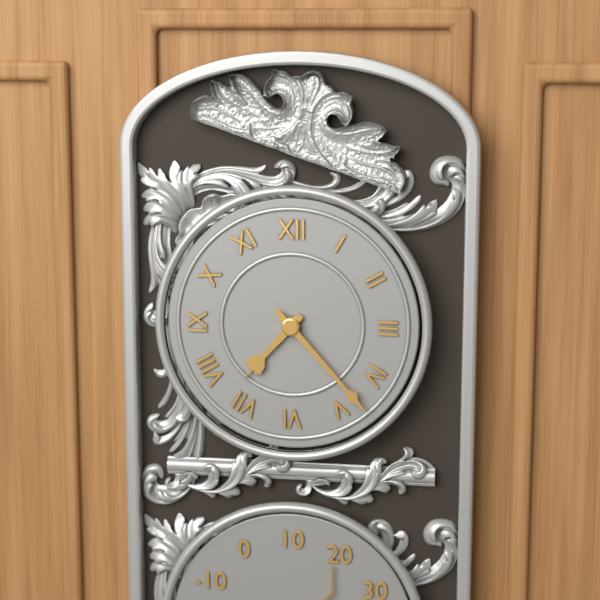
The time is {"hour": 7, "minute": 23}
